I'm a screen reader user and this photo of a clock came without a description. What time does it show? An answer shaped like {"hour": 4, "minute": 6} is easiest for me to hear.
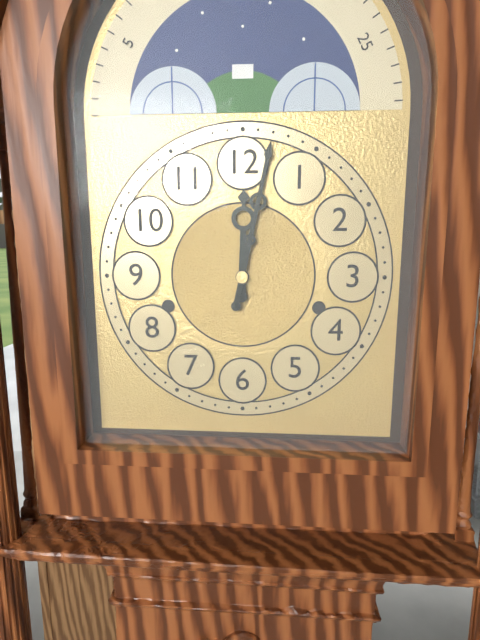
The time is {"hour": 12, "minute": 2}
